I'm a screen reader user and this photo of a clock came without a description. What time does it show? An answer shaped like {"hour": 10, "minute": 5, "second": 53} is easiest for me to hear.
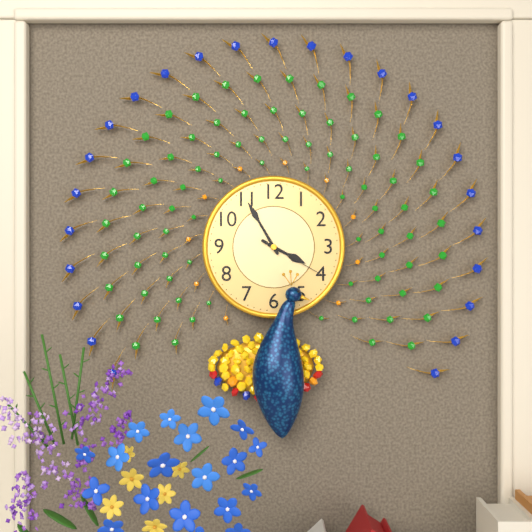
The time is {"hour": 3, "minute": 55, "second": 20}
